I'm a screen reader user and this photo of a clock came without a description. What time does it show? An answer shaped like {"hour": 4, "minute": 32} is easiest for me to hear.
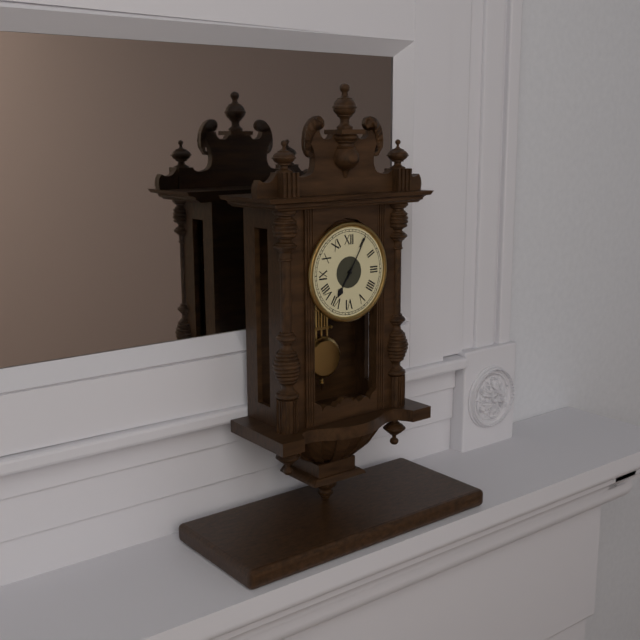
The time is {"hour": 7, "minute": 5}
